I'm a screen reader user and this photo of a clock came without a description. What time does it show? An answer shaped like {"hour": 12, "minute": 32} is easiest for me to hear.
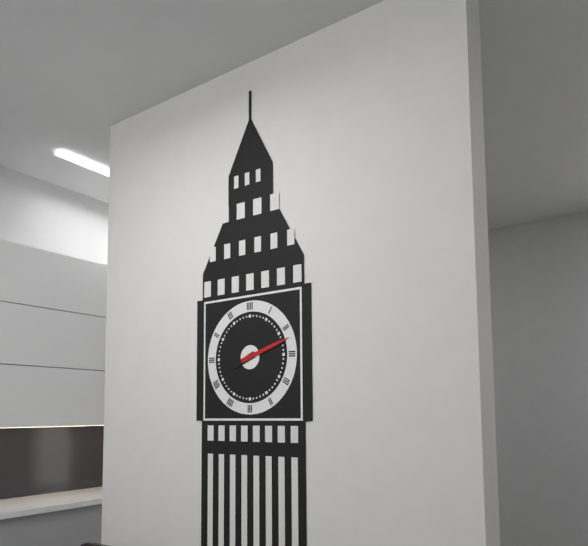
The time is {"hour": 8, "minute": 12}
